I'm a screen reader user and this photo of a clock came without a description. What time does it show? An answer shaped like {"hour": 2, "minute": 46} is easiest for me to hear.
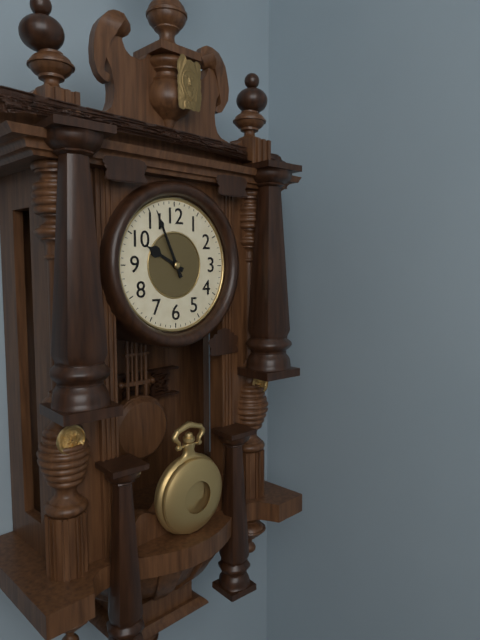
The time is {"hour": 9, "minute": 56}
